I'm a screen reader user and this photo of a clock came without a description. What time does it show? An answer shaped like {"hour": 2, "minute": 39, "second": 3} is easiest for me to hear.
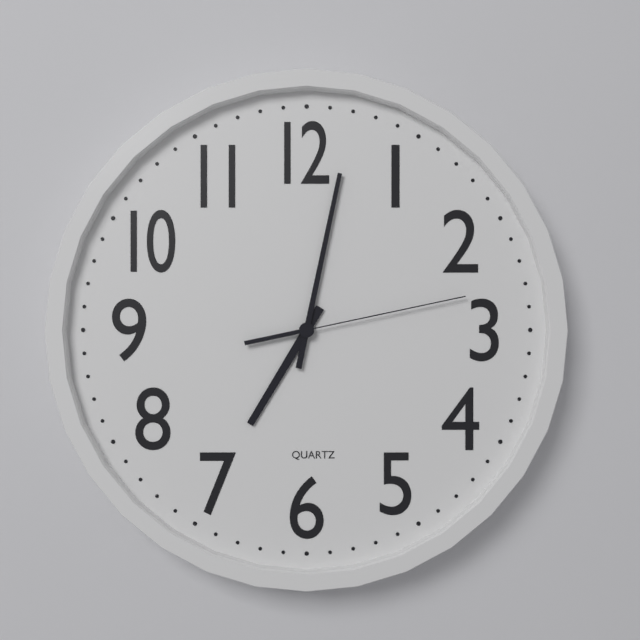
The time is {"hour": 7, "minute": 2, "second": 13}
